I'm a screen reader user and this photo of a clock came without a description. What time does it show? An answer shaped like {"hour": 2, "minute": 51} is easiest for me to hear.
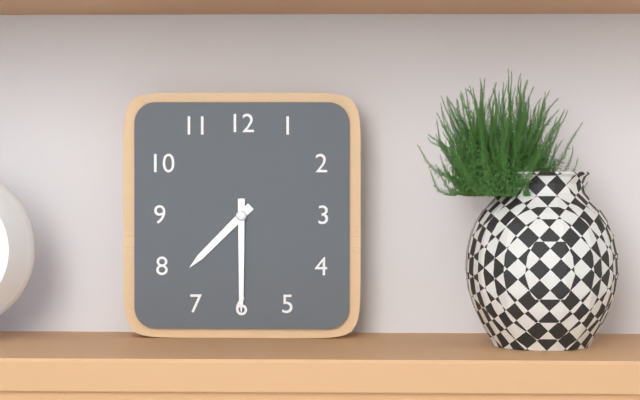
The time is {"hour": 7, "minute": 30}
